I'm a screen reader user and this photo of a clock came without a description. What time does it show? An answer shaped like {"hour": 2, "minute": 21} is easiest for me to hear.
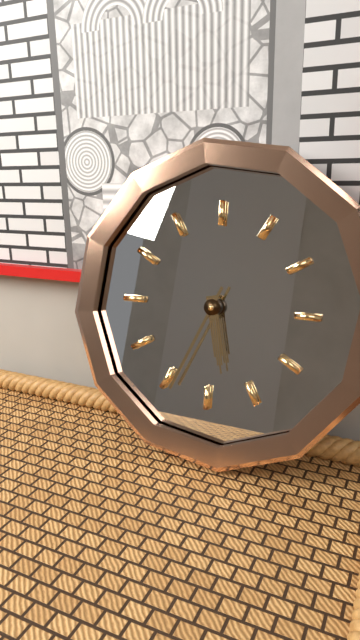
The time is {"hour": 5, "minute": 34}
